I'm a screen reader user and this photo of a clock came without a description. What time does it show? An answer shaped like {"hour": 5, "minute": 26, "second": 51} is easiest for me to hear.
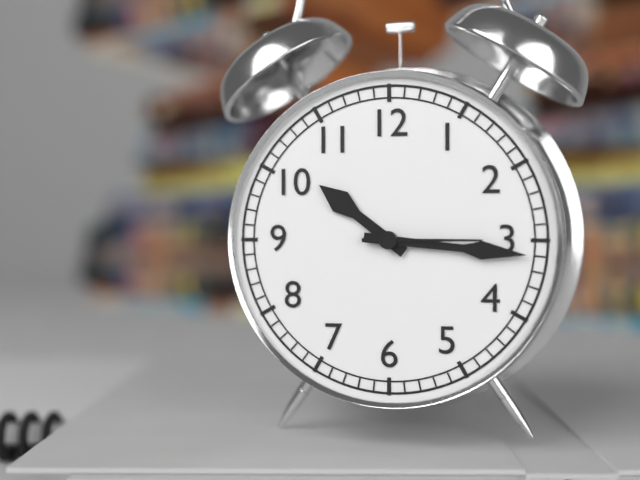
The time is {"hour": 10, "minute": 16, "second": 15}
